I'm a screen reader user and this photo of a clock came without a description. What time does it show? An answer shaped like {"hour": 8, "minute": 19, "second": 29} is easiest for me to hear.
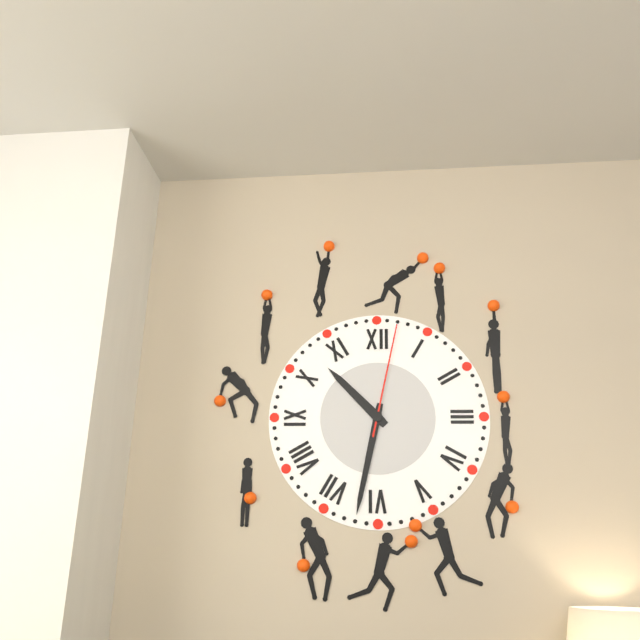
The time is {"hour": 10, "minute": 32, "second": 2}
